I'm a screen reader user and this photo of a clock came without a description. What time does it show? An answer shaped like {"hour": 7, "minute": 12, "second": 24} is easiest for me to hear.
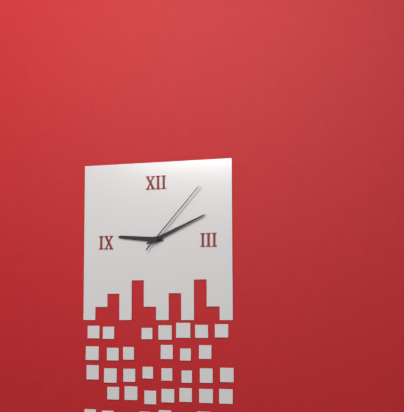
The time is {"hour": 9, "minute": 11, "second": 7}
